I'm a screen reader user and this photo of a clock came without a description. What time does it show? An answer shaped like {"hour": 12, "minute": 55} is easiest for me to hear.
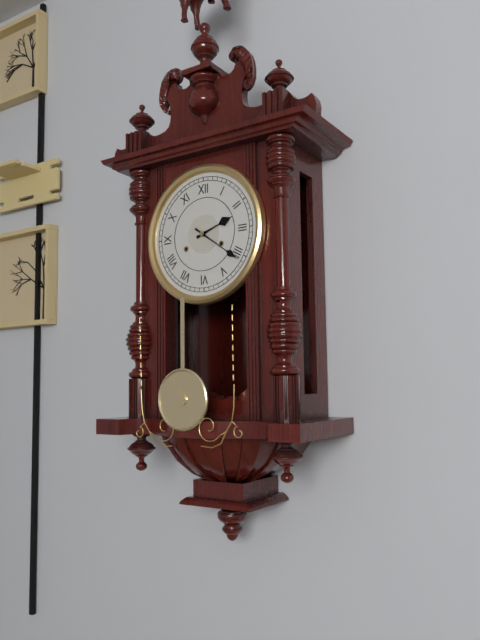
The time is {"hour": 2, "minute": 21}
